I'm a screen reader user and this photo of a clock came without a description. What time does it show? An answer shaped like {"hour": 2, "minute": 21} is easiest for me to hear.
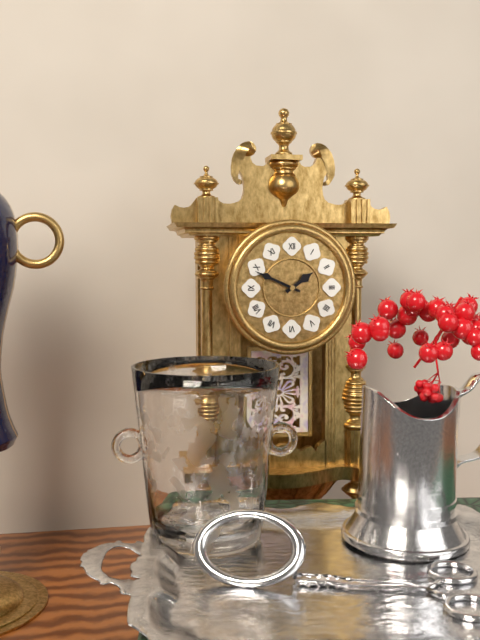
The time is {"hour": 1, "minute": 49}
